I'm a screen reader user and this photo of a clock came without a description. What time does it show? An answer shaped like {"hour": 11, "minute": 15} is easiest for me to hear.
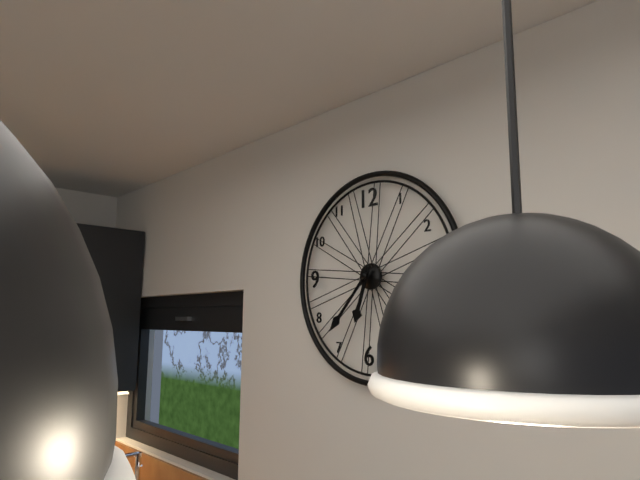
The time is {"hour": 6, "minute": 37}
